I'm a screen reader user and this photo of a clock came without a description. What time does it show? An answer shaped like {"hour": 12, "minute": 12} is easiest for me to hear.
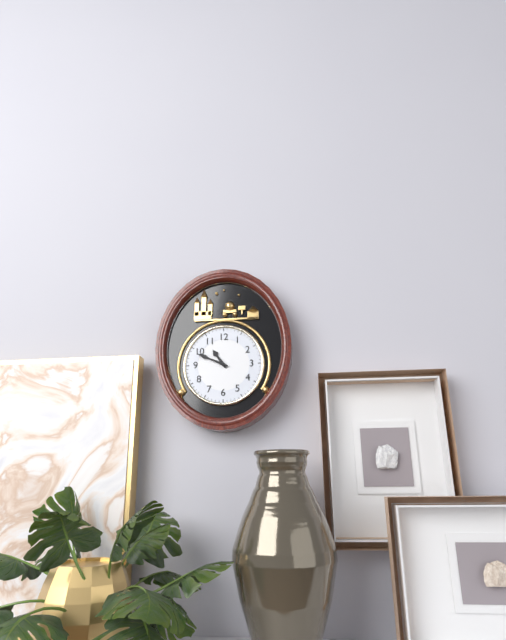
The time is {"hour": 10, "minute": 49}
